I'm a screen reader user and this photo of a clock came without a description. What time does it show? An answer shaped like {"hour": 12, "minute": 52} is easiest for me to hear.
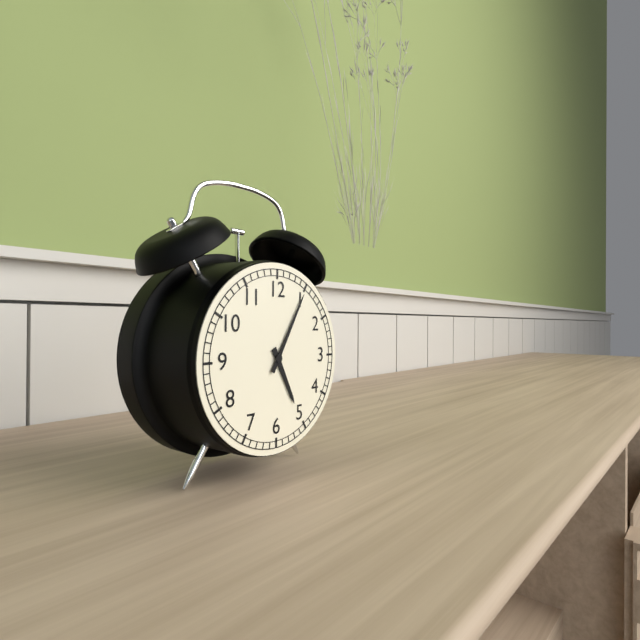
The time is {"hour": 5, "minute": 5}
